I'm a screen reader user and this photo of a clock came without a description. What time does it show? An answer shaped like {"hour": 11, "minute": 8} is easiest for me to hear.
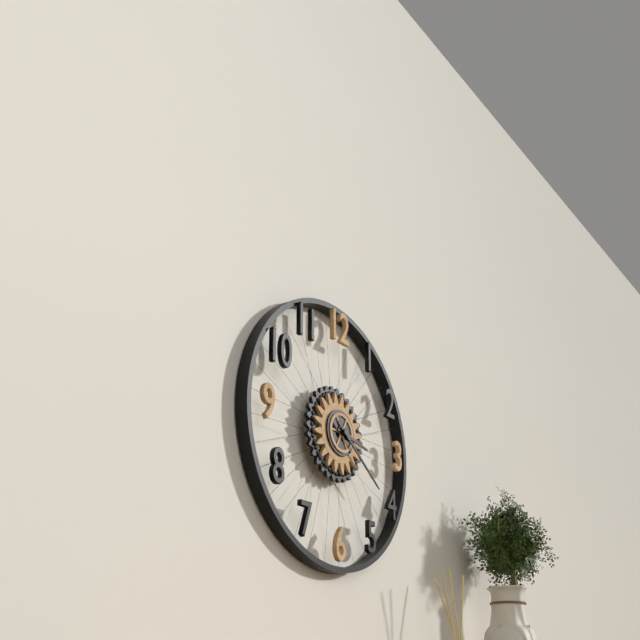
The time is {"hour": 3, "minute": 21}
